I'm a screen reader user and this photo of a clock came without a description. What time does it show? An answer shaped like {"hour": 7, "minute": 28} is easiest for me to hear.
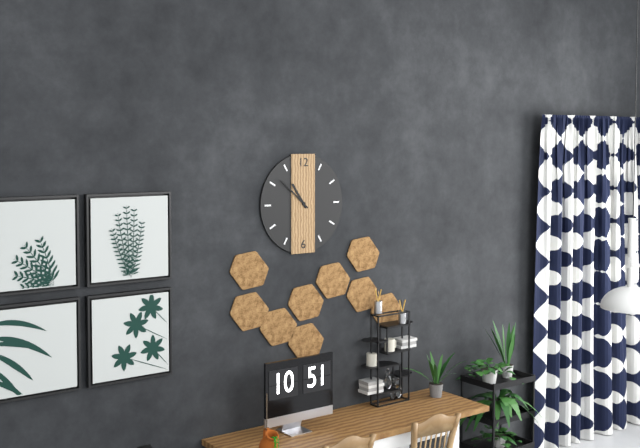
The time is {"hour": 10, "minute": 52}
